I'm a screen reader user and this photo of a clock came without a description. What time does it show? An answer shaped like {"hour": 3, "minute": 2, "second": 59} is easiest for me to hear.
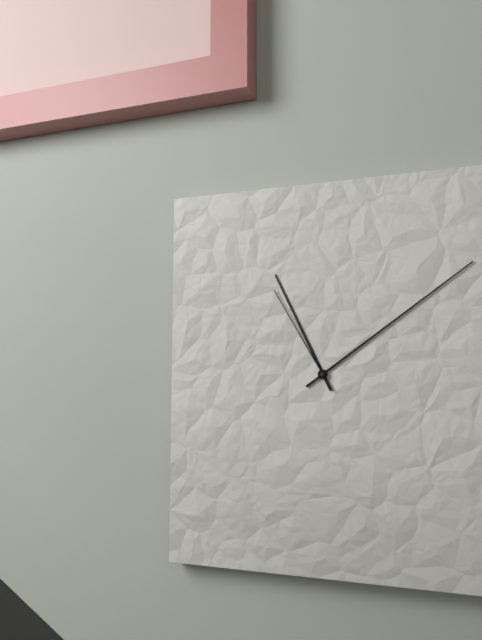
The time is {"hour": 11, "minute": 9, "second": 55}
